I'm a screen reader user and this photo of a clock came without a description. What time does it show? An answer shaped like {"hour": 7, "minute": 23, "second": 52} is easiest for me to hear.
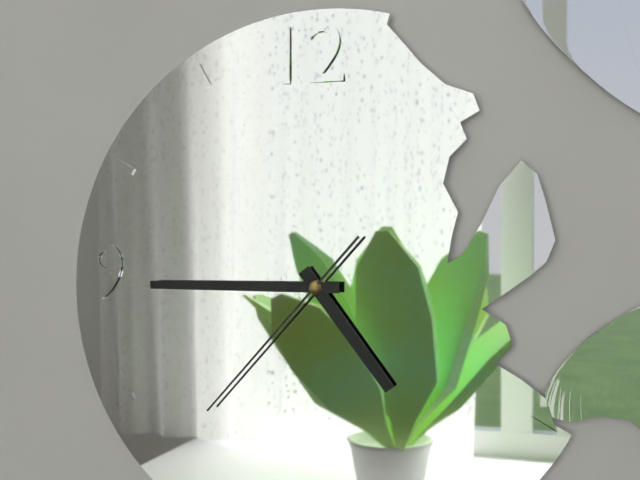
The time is {"hour": 4, "minute": 45, "second": 37}
